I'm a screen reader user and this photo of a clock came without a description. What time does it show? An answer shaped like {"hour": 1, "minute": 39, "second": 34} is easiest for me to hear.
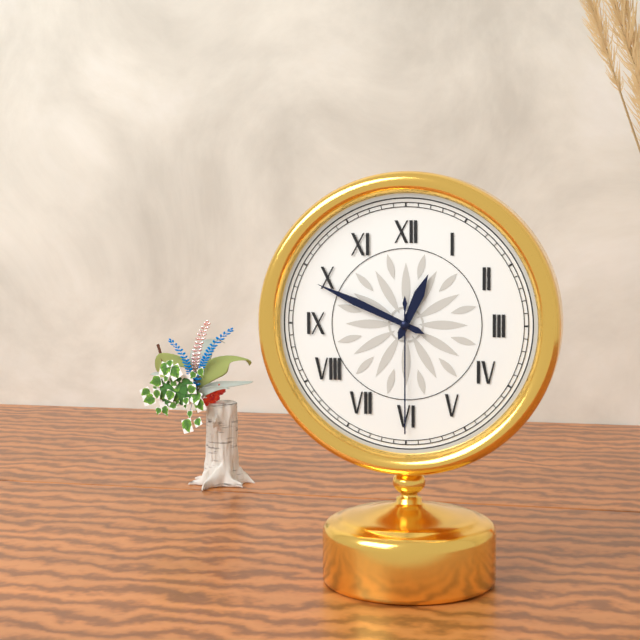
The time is {"hour": 12, "minute": 49, "second": 30}
